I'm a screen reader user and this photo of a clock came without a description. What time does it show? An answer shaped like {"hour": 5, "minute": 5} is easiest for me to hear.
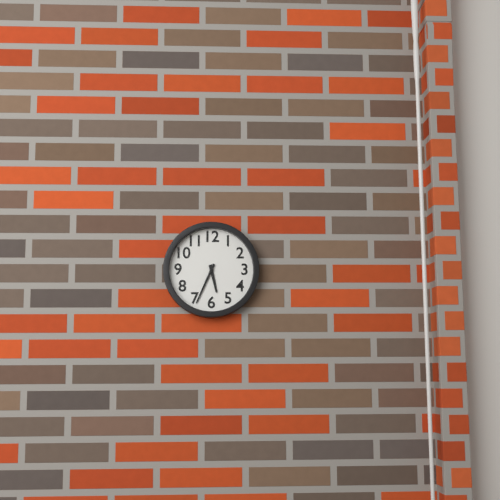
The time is {"hour": 5, "minute": 34}
